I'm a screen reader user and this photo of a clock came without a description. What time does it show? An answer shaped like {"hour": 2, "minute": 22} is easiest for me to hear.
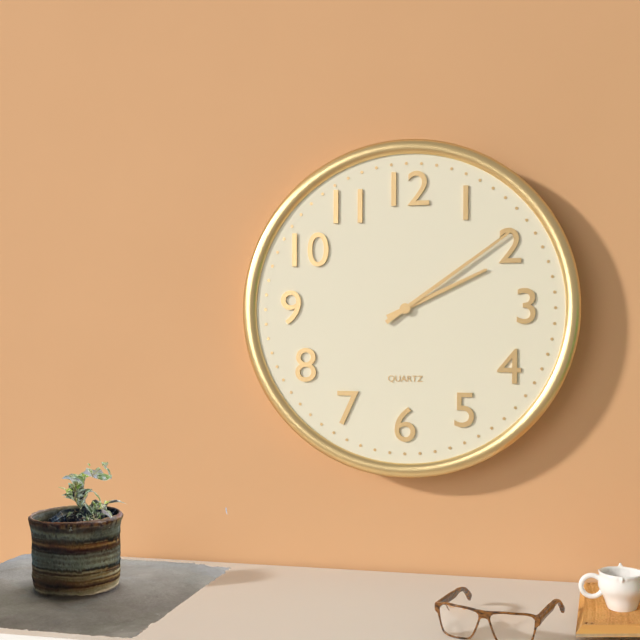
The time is {"hour": 2, "minute": 9}
